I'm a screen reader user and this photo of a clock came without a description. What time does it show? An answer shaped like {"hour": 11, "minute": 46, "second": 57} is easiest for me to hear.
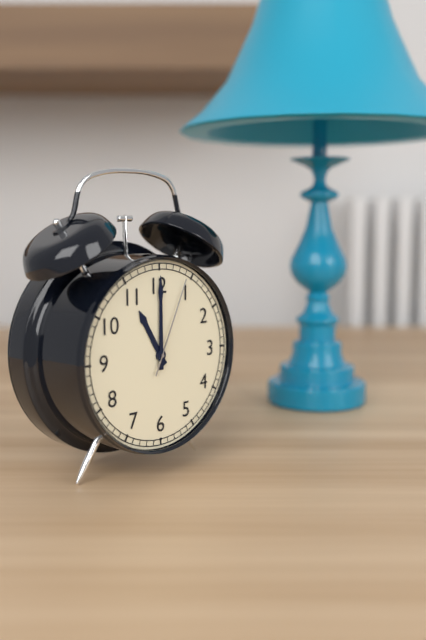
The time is {"hour": 11, "minute": 0, "second": 4}
